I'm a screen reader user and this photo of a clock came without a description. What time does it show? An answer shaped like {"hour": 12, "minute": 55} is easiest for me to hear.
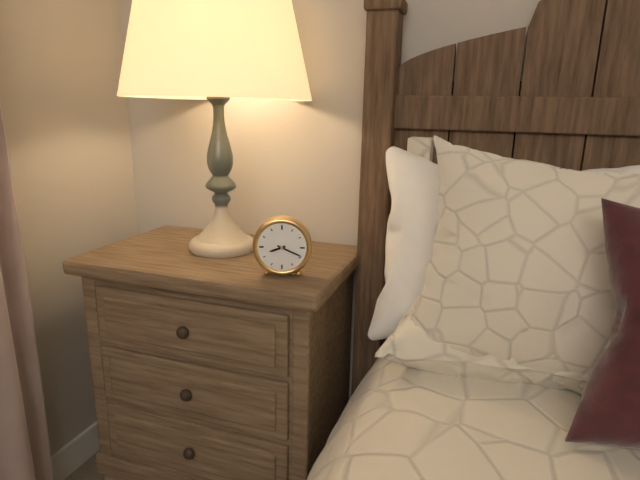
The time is {"hour": 8, "minute": 19}
